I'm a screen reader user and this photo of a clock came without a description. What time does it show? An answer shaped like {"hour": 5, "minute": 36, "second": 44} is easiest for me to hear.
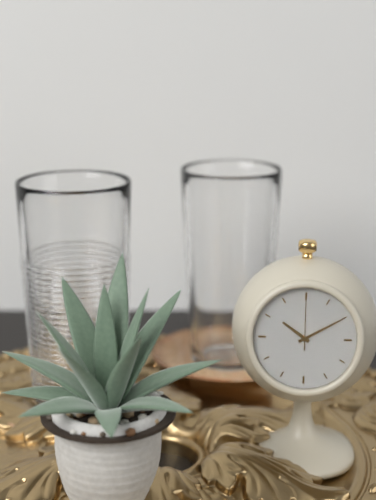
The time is {"hour": 10, "minute": 10, "second": 0}
